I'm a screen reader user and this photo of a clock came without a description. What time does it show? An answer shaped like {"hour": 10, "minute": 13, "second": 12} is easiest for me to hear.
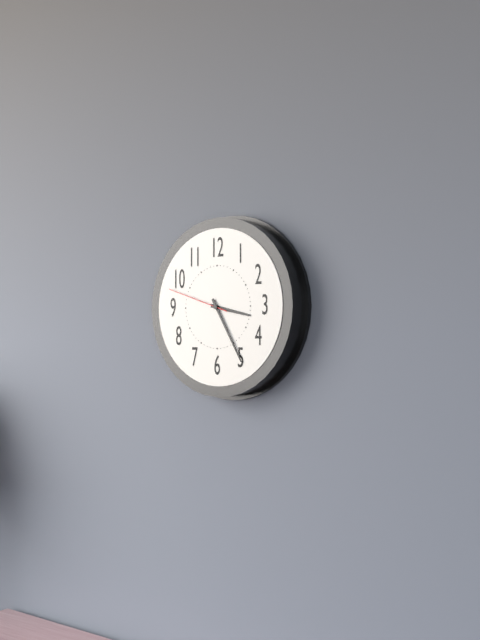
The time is {"hour": 3, "minute": 25, "second": 48}
